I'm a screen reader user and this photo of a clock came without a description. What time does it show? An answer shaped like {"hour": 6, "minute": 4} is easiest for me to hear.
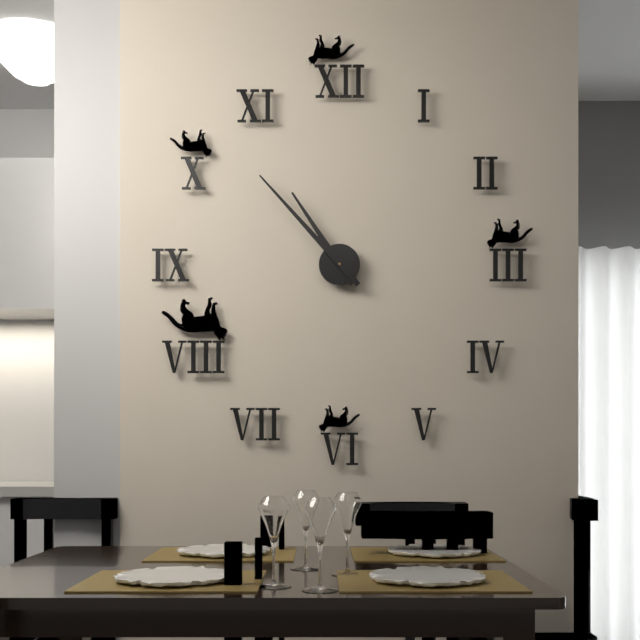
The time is {"hour": 10, "minute": 53}
